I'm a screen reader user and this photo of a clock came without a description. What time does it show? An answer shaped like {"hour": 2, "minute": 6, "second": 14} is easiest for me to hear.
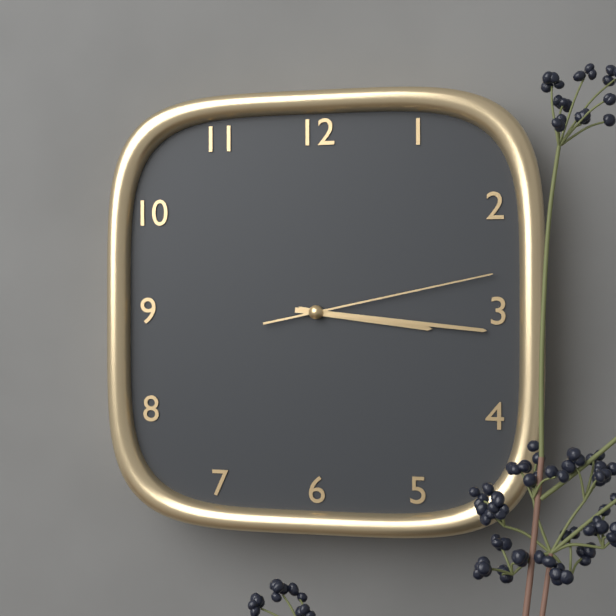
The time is {"hour": 3, "minute": 16, "second": 13}
